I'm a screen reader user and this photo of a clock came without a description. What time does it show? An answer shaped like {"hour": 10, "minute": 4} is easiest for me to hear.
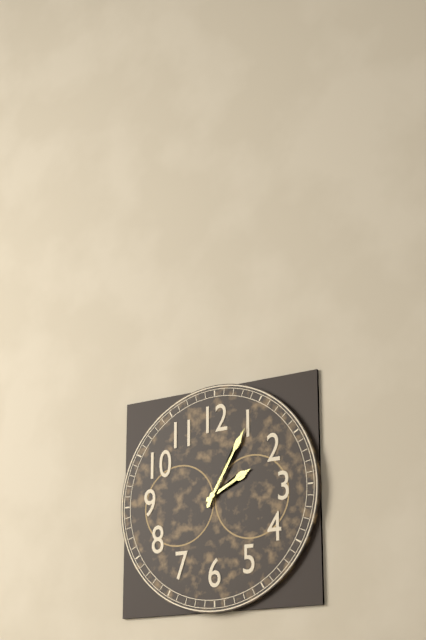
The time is {"hour": 2, "minute": 5}
